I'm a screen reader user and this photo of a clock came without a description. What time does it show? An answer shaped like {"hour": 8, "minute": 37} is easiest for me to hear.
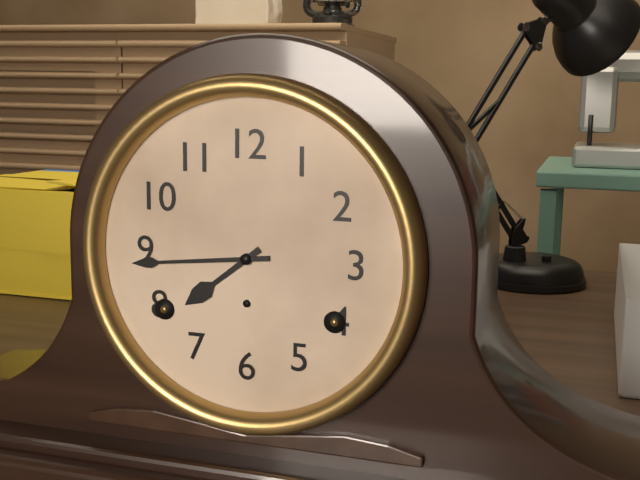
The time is {"hour": 7, "minute": 44}
